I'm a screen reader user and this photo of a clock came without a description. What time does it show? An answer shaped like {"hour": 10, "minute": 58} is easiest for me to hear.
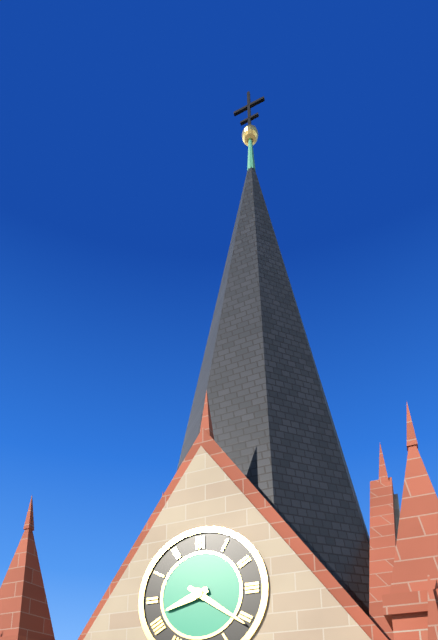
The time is {"hour": 8, "minute": 21}
